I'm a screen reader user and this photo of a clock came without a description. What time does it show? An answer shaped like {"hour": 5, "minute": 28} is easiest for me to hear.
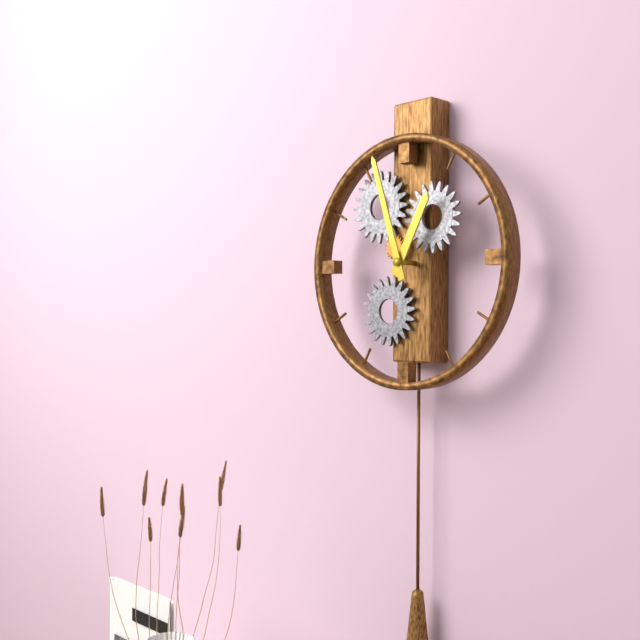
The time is {"hour": 12, "minute": 57}
